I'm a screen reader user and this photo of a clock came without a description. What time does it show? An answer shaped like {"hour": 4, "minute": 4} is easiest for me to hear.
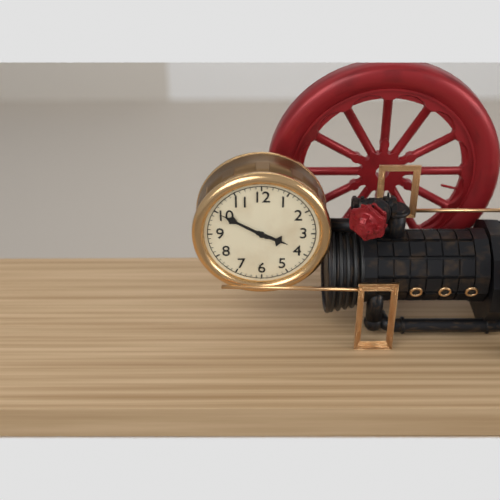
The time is {"hour": 3, "minute": 50}
